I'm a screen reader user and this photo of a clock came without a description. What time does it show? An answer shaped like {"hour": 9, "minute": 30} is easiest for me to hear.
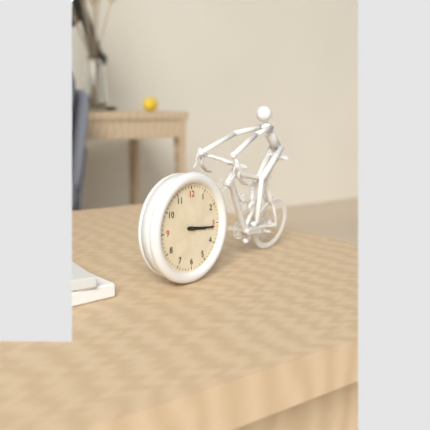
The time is {"hour": 3, "minute": 16}
